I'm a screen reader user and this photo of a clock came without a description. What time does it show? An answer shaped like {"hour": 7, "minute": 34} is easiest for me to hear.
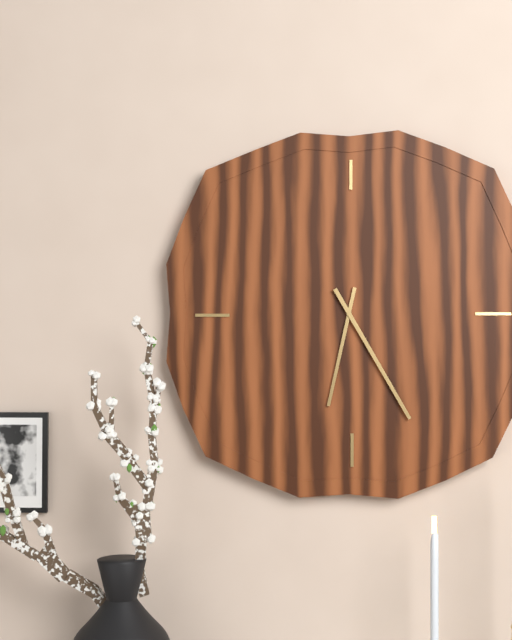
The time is {"hour": 6, "minute": 25}
